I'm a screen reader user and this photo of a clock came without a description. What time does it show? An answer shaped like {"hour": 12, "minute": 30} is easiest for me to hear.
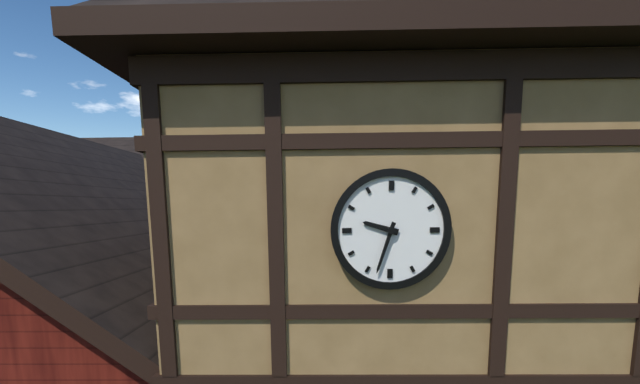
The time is {"hour": 9, "minute": 33}
